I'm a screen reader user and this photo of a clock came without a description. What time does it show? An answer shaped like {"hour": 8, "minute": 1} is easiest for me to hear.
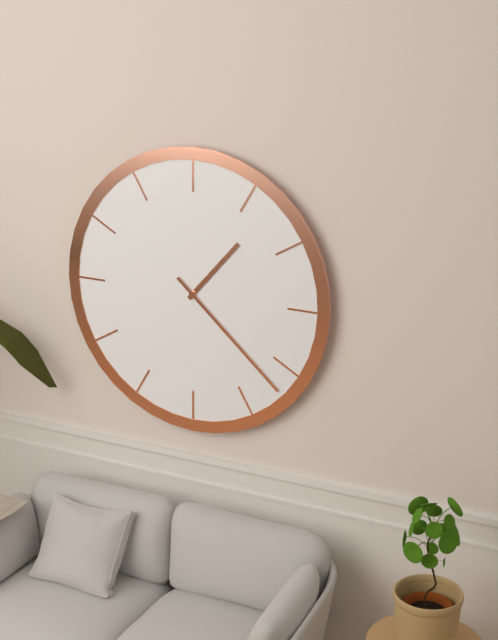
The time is {"hour": 1, "minute": 22}
